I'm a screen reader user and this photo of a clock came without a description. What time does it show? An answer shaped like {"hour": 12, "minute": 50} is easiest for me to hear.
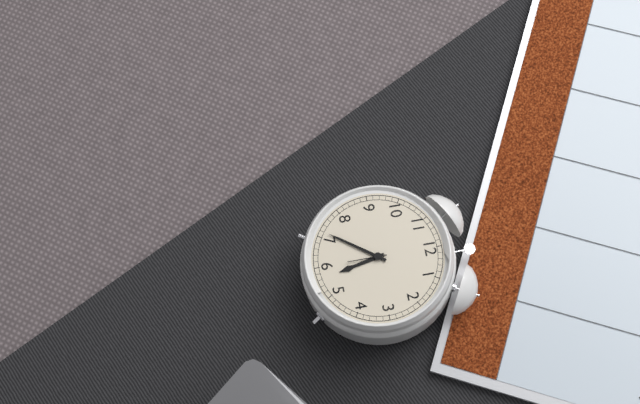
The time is {"hour": 5, "minute": 36}
